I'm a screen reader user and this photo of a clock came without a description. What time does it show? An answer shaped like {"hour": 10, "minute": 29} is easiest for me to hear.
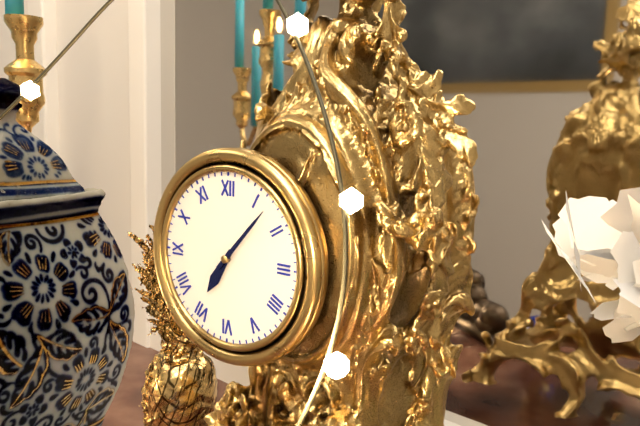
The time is {"hour": 7, "minute": 7}
